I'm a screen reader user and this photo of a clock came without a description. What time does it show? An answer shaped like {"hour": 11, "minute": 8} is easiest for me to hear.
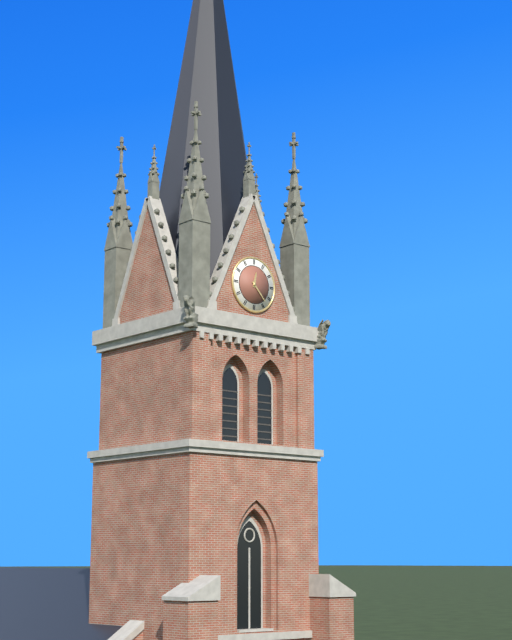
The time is {"hour": 12, "minute": 23}
